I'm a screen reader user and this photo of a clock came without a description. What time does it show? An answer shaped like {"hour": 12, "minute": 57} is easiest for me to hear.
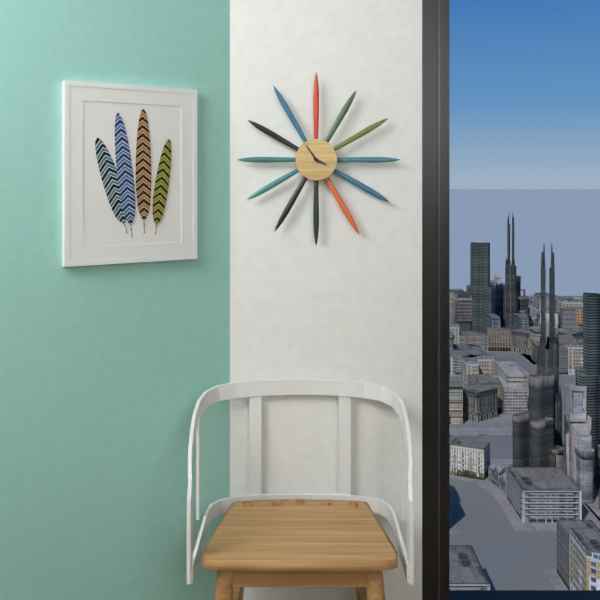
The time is {"hour": 3, "minute": 54}
